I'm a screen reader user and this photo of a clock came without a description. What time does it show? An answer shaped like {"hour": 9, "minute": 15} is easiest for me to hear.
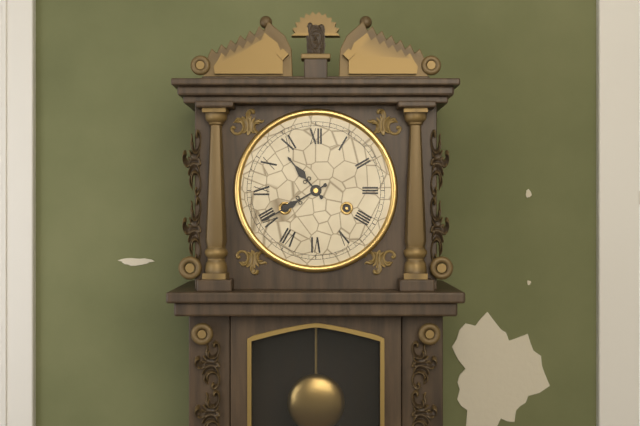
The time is {"hour": 10, "minute": 40}
